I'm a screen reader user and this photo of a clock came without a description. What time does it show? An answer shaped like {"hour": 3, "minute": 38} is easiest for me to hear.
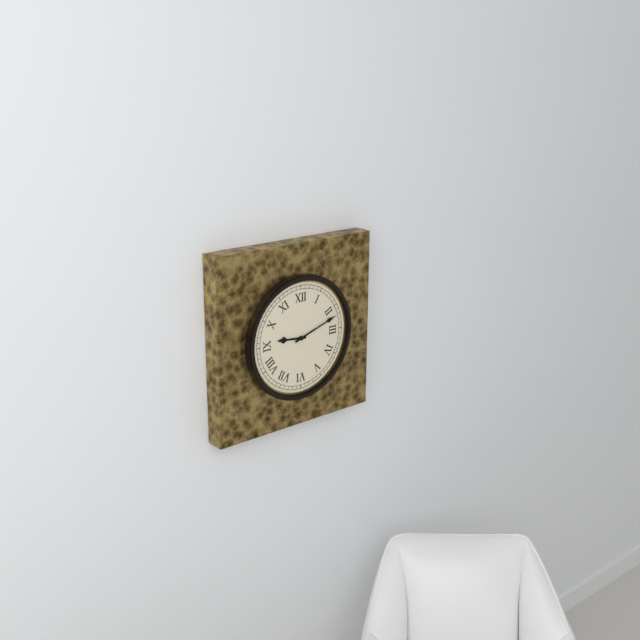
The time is {"hour": 9, "minute": 12}
